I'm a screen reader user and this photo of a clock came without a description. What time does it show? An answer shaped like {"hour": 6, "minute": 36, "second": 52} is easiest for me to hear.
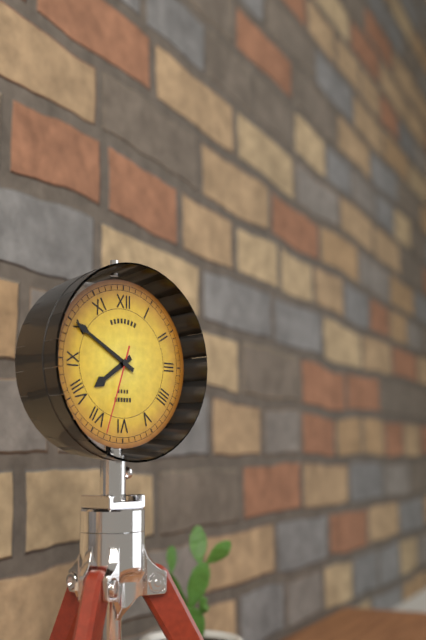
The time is {"hour": 7, "minute": 50, "second": 33}
